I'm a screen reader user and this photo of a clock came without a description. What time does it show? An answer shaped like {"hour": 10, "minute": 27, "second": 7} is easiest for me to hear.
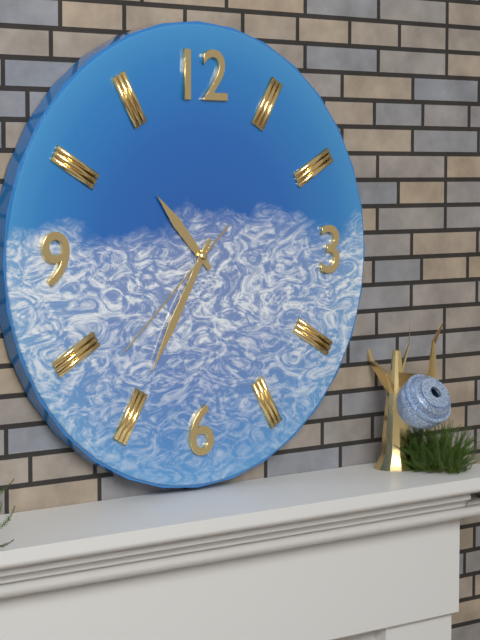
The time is {"hour": 10, "minute": 35, "second": 38}
